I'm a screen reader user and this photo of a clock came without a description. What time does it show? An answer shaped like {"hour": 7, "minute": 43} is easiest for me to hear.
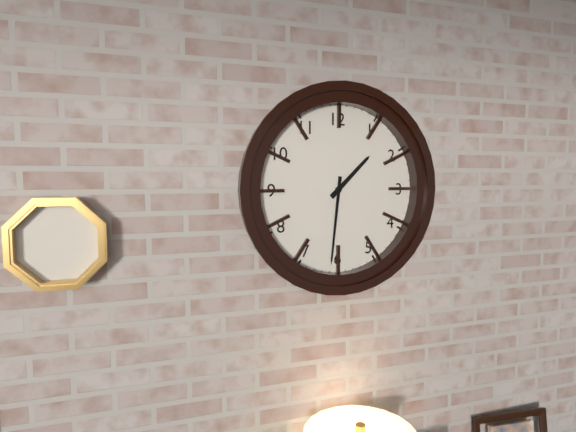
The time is {"hour": 1, "minute": 31}
